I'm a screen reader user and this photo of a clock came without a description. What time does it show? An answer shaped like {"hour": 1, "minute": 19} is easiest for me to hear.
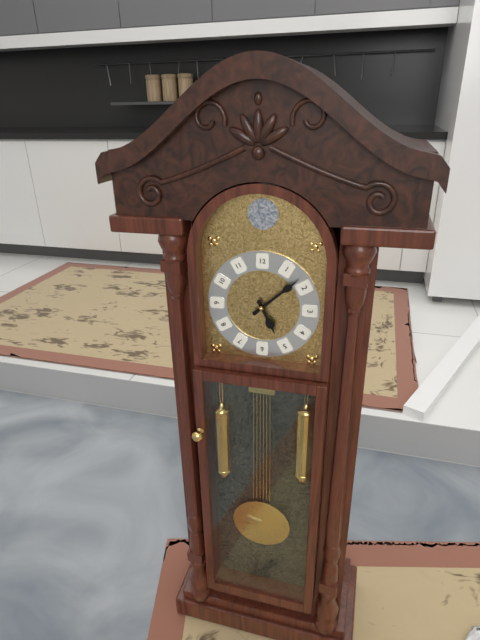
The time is {"hour": 5, "minute": 8}
